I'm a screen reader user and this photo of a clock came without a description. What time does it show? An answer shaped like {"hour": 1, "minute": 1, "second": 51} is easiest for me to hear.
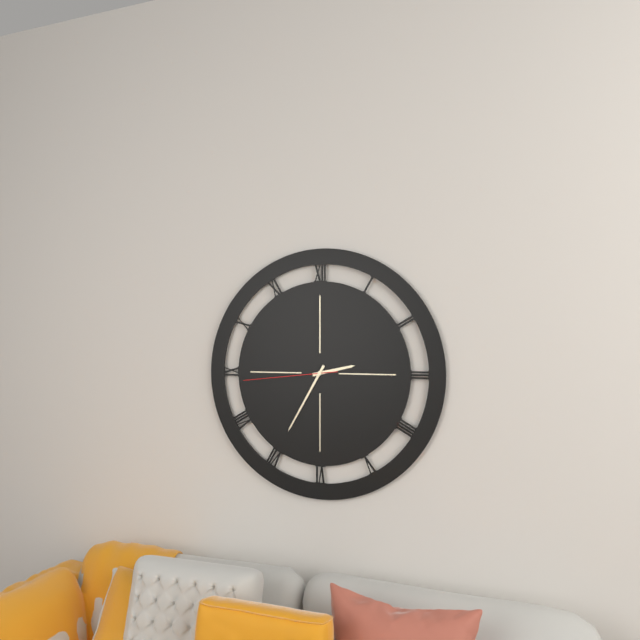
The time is {"hour": 2, "minute": 35, "second": 44}
